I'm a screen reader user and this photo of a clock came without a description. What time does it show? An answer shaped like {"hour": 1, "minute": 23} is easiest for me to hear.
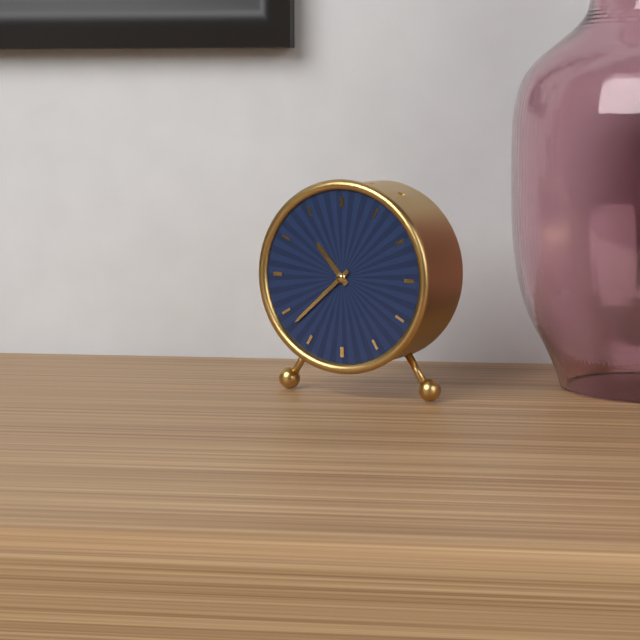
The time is {"hour": 10, "minute": 38}
